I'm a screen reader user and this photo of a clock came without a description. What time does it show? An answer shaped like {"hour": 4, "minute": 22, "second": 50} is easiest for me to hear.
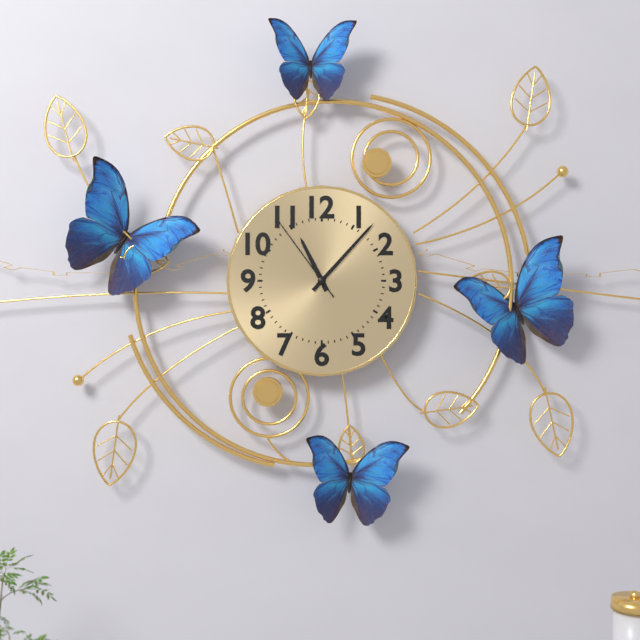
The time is {"hour": 11, "minute": 7, "second": 54}
